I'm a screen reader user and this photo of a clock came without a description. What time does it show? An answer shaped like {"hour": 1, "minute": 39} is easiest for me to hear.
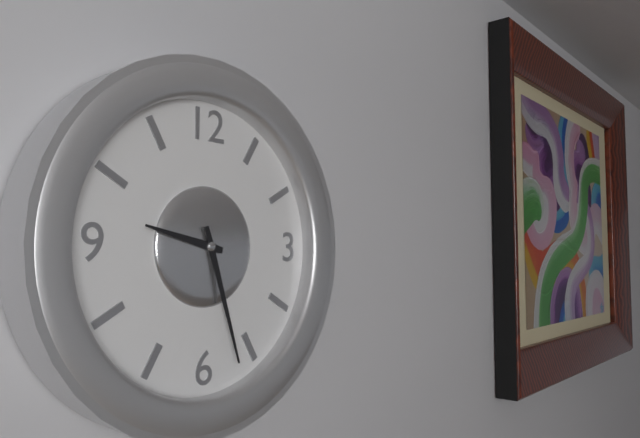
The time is {"hour": 9, "minute": 27}
